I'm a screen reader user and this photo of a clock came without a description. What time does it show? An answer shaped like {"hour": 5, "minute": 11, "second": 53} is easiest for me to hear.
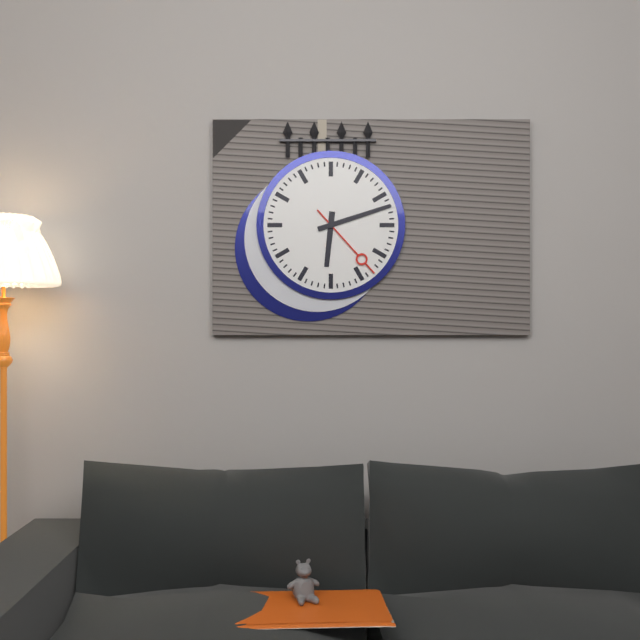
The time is {"hour": 6, "minute": 12, "second": 23}
